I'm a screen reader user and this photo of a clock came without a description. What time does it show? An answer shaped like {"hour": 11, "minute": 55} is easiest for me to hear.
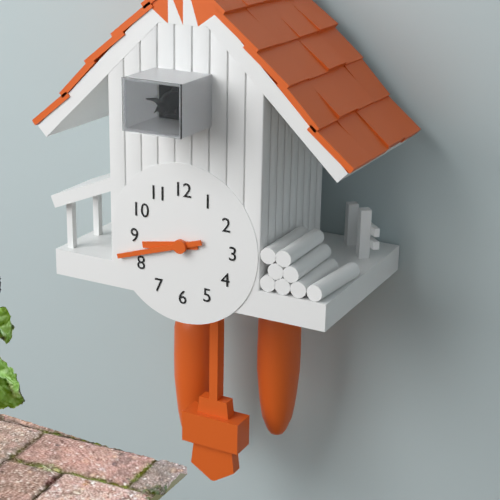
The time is {"hour": 8, "minute": 42}
